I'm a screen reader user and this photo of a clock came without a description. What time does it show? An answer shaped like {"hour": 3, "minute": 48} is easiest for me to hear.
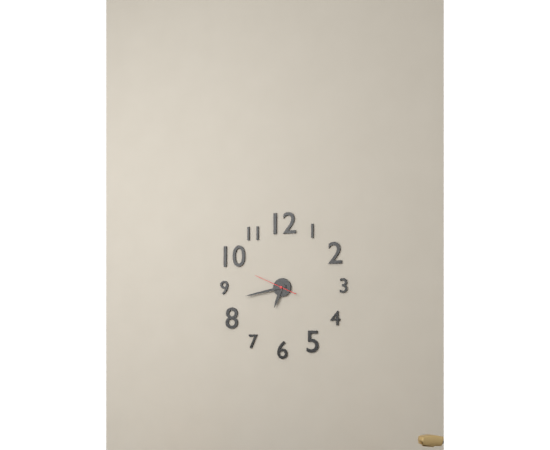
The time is {"hour": 6, "minute": 43}
